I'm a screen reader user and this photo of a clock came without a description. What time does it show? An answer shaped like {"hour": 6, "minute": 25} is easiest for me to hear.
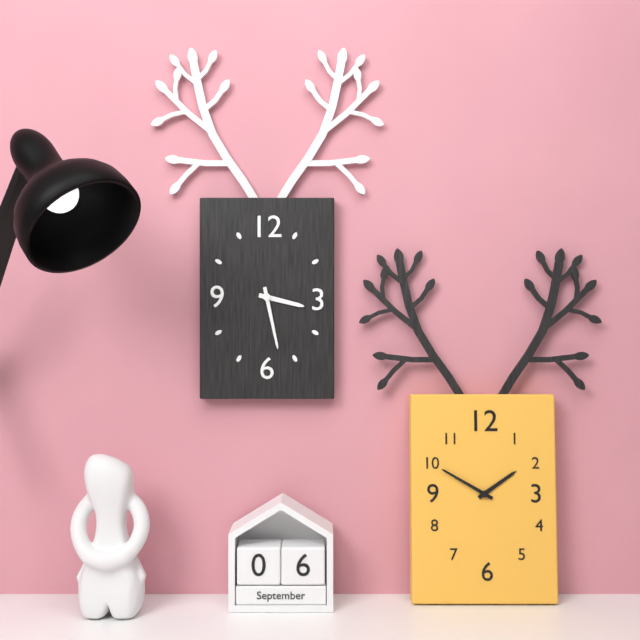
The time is {"hour": 3, "minute": 28}
